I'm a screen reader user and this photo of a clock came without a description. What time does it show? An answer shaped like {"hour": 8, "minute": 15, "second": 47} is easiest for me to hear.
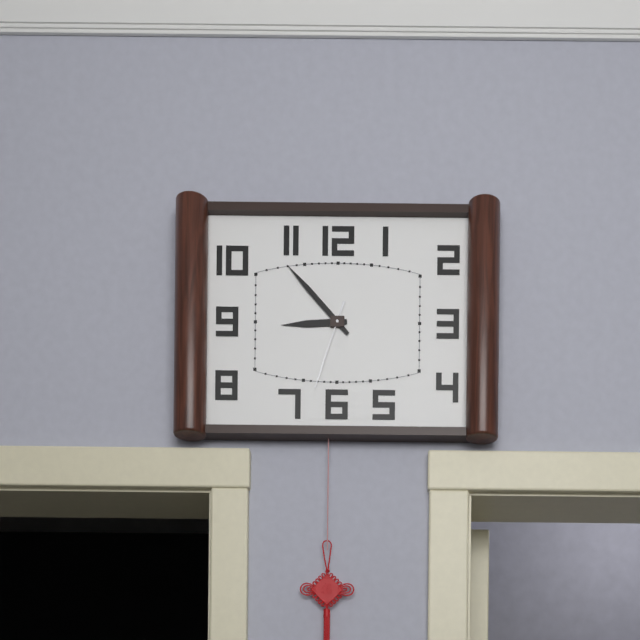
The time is {"hour": 8, "minute": 53, "second": 33}
